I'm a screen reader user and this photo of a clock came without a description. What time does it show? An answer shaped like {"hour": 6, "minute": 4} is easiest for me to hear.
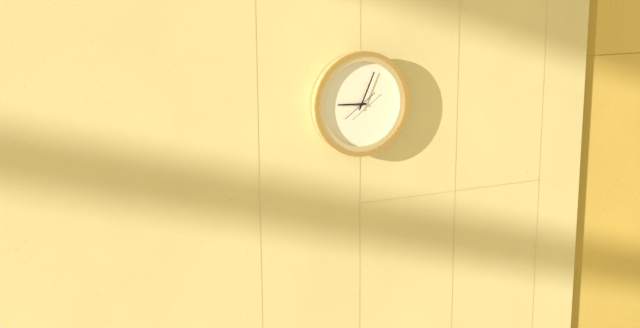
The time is {"hour": 9, "minute": 4}
